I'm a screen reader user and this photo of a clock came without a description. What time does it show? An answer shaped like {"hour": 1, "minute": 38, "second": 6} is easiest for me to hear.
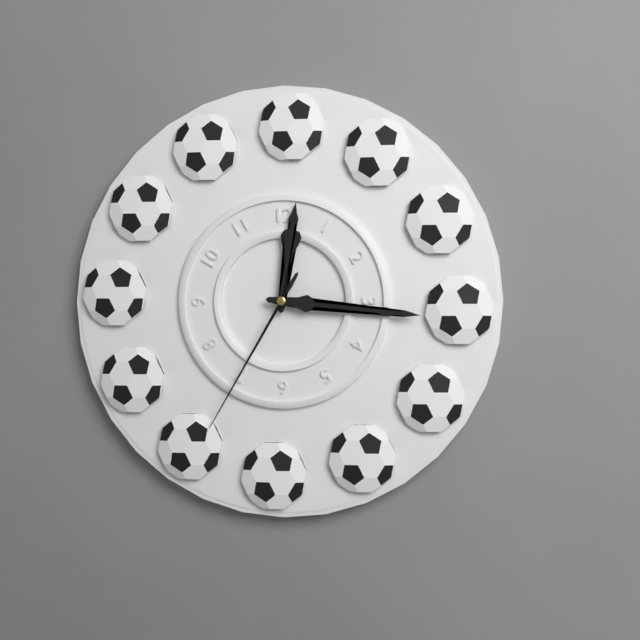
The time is {"hour": 12, "minute": 16, "second": 35}
